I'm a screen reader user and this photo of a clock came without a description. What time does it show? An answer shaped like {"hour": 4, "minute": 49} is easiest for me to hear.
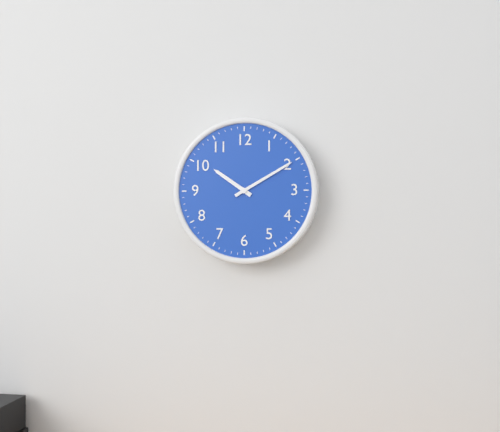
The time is {"hour": 10, "minute": 10}
